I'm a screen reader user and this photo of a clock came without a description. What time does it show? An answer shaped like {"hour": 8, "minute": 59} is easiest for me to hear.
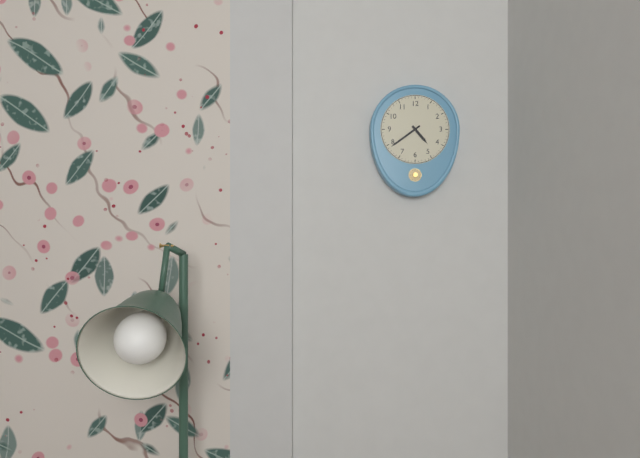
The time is {"hour": 4, "minute": 39}
